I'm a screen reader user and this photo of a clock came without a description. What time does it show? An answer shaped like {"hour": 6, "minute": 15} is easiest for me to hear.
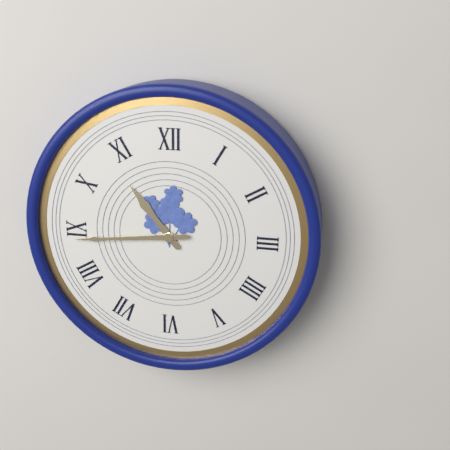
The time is {"hour": 10, "minute": 44}
